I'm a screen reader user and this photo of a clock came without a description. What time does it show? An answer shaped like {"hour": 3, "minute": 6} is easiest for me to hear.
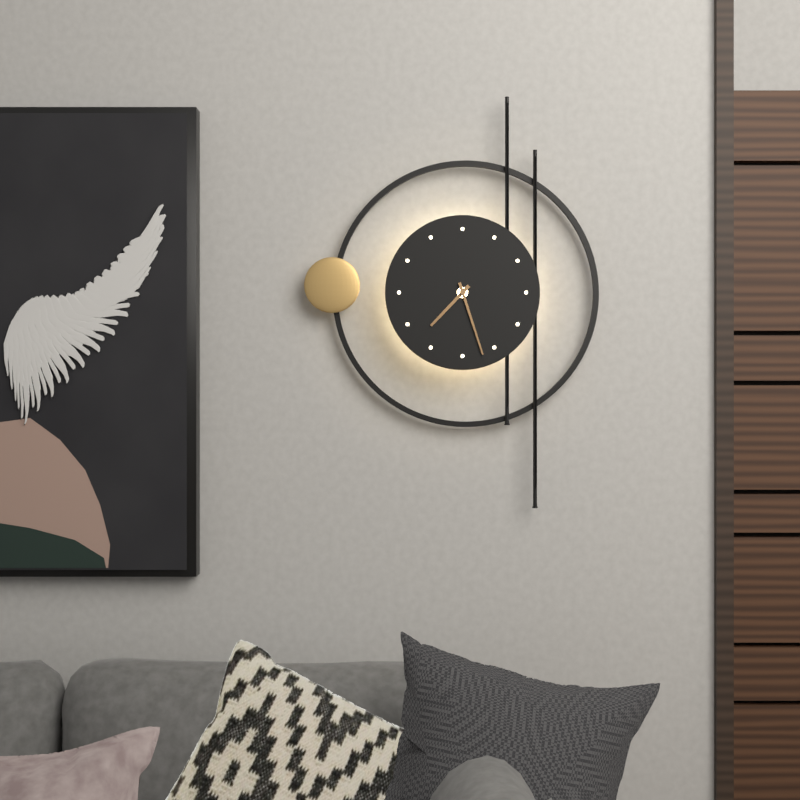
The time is {"hour": 7, "minute": 27}
